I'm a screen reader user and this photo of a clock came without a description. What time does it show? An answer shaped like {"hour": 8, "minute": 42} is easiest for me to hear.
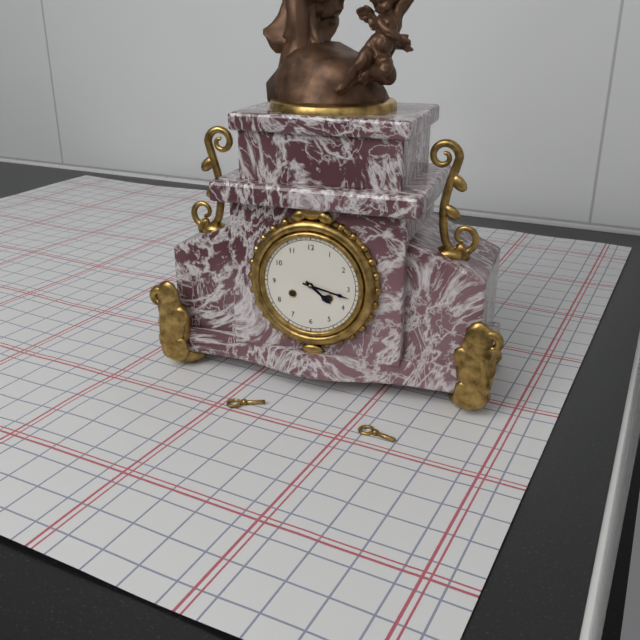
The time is {"hour": 4, "minute": 17}
